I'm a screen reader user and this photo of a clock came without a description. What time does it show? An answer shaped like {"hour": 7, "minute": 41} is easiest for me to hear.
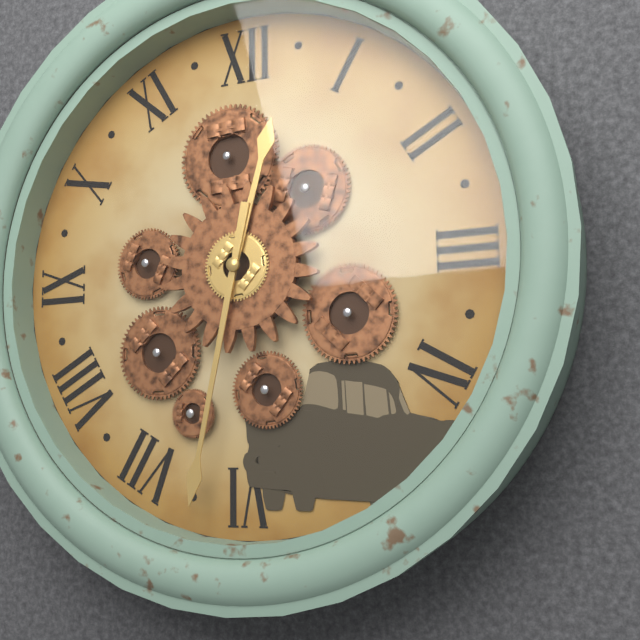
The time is {"hour": 12, "minute": 32}
